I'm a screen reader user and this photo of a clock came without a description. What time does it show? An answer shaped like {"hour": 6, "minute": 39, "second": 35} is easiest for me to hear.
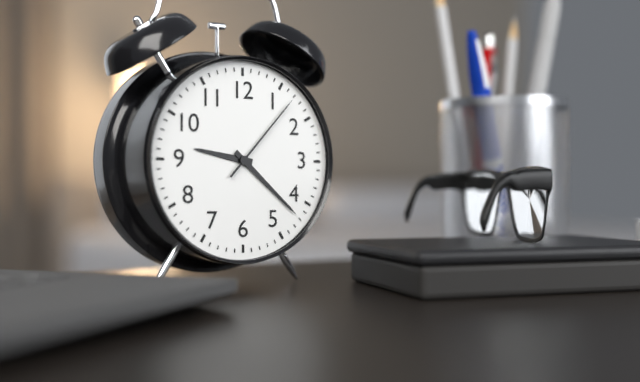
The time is {"hour": 9, "minute": 22, "second": 7}
